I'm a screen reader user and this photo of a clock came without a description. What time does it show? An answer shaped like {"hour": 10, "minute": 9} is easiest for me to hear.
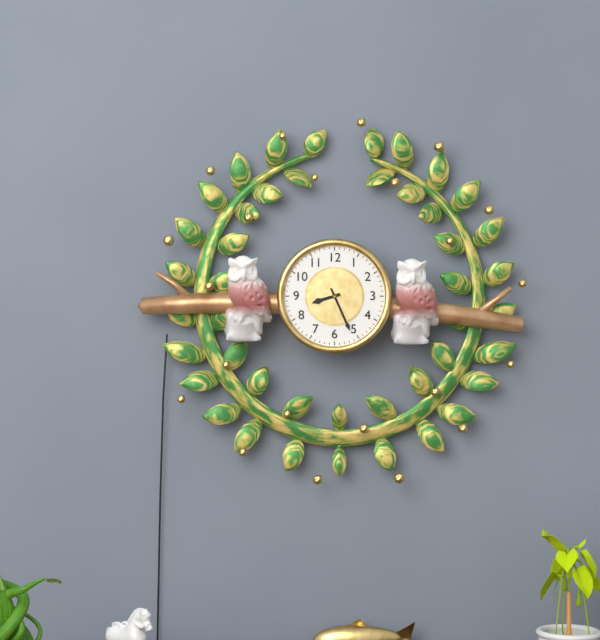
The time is {"hour": 8, "minute": 26}
